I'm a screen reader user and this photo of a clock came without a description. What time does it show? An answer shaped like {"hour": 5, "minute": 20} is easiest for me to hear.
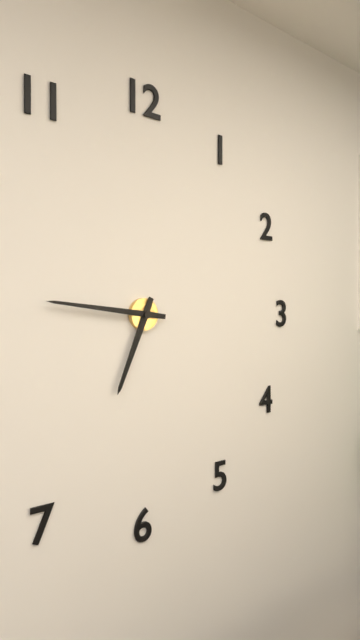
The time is {"hour": 6, "minute": 46}
